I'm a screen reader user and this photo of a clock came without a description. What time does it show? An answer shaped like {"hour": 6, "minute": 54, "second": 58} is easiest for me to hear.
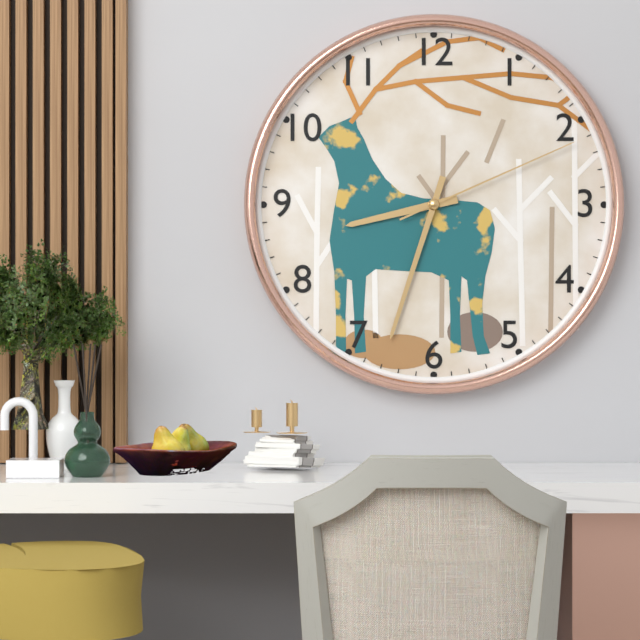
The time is {"hour": 8, "minute": 33, "second": 11}
